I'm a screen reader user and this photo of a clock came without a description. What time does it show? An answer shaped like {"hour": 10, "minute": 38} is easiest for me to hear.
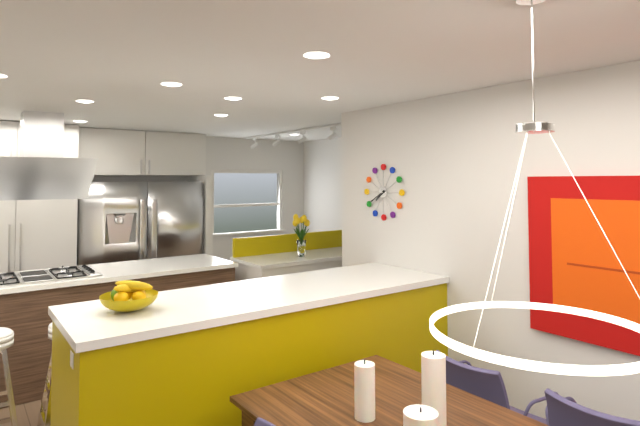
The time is {"hour": 7, "minute": 40}
